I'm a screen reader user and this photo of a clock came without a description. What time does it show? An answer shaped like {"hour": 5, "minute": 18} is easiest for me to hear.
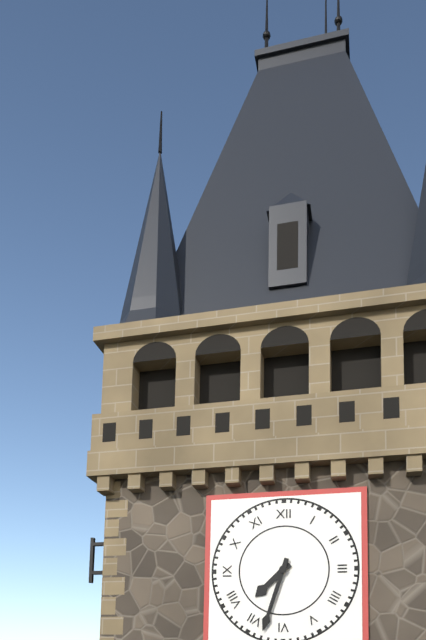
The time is {"hour": 7, "minute": 33}
